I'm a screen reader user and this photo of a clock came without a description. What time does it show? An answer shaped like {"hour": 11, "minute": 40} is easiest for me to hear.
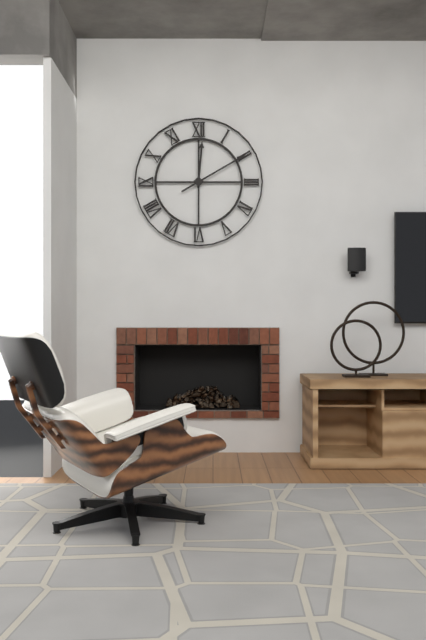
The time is {"hour": 12, "minute": 10}
